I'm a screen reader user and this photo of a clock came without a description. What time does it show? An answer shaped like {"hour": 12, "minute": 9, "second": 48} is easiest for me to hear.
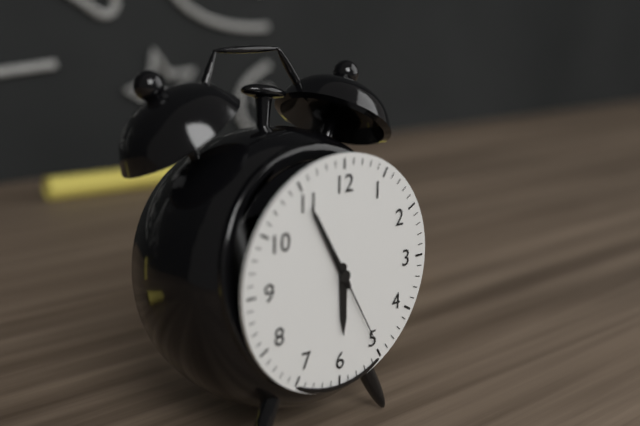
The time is {"hour": 5, "minute": 55, "second": 25}
